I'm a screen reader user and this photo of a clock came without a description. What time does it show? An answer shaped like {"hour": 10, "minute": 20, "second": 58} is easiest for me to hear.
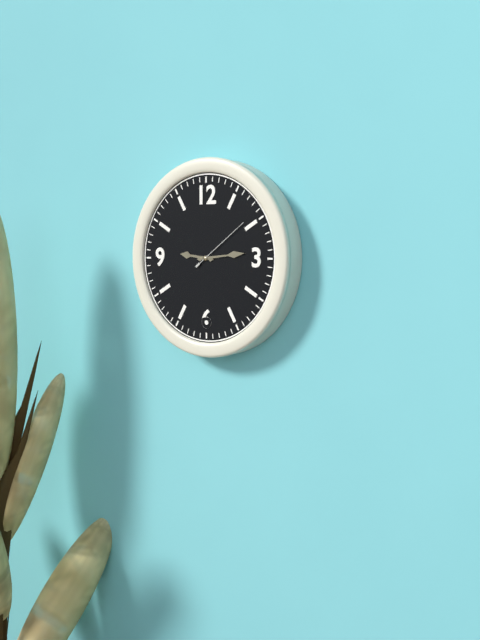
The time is {"hour": 9, "minute": 14, "second": 9}
